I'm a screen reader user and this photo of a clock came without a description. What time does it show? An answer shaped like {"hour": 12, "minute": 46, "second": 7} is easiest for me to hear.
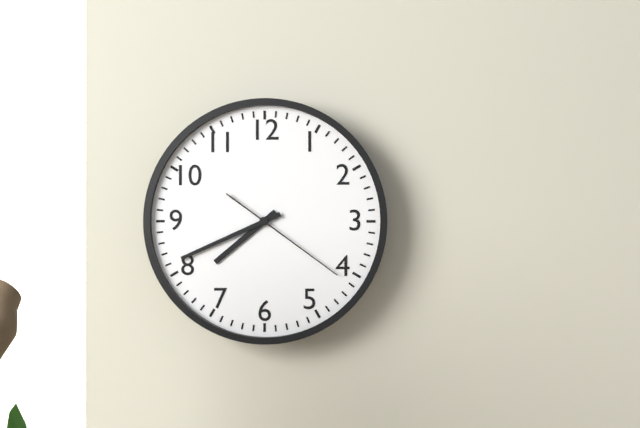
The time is {"hour": 7, "minute": 41, "second": 21}
